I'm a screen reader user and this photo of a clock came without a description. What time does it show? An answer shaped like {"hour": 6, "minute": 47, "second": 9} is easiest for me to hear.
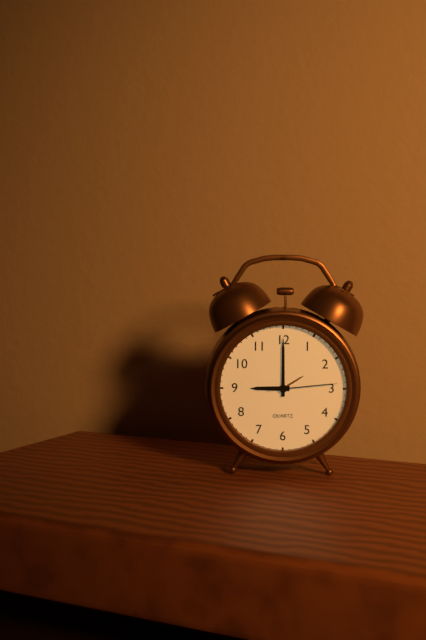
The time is {"hour": 9, "minute": 0, "second": 14}
